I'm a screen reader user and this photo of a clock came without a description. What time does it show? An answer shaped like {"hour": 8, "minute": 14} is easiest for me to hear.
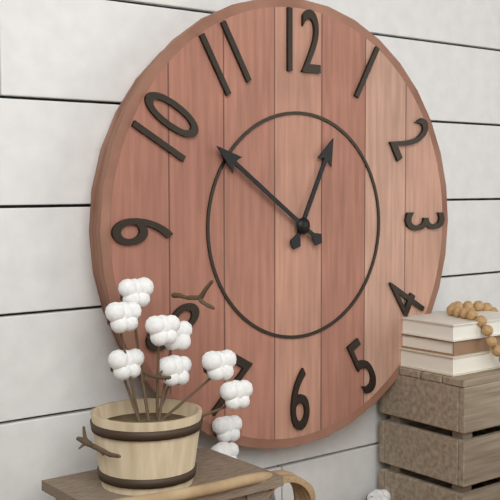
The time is {"hour": 12, "minute": 51}
